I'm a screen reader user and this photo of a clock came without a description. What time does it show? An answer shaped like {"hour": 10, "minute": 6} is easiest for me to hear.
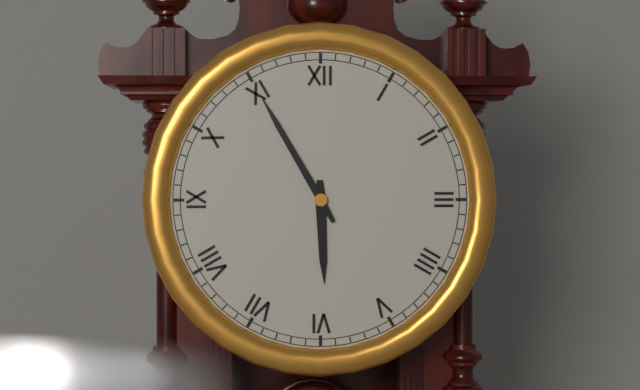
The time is {"hour": 5, "minute": 55}
